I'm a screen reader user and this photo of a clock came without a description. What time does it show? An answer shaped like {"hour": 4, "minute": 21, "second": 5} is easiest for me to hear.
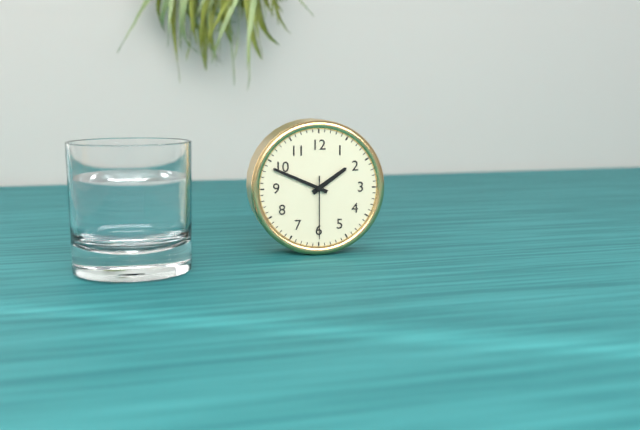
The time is {"hour": 1, "minute": 49, "second": 30}
